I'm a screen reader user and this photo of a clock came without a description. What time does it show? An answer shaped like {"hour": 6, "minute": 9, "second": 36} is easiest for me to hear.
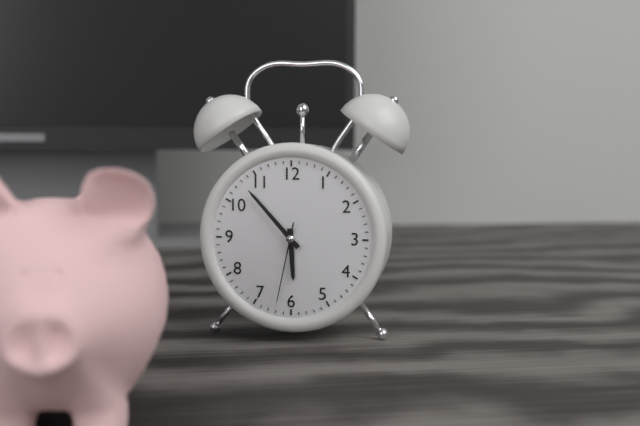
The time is {"hour": 5, "minute": 53, "second": 32}
